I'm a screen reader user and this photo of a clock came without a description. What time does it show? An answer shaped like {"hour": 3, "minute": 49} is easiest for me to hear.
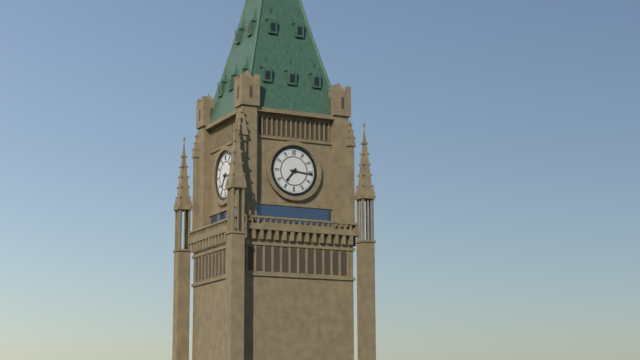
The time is {"hour": 7, "minute": 16}
